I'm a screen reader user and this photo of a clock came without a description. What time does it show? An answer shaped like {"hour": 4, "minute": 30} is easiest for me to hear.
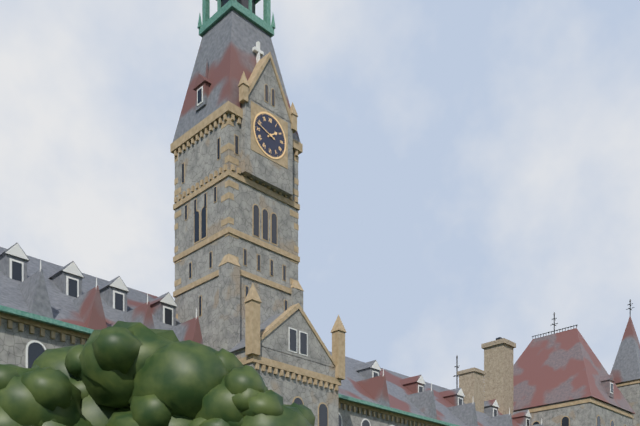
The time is {"hour": 1, "minute": 48}
